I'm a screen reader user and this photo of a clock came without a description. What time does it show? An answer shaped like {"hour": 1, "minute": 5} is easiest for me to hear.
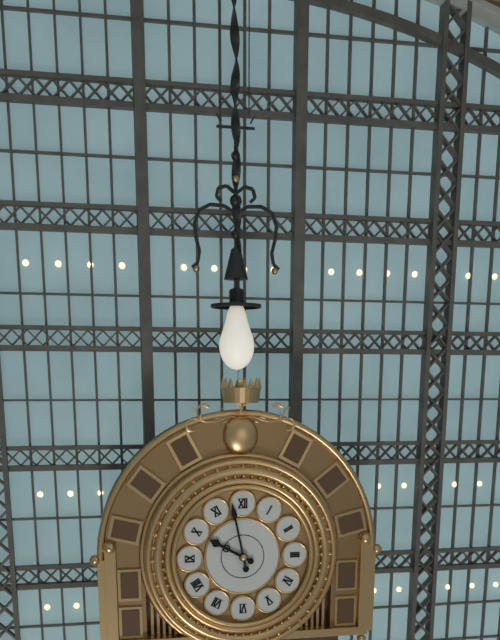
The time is {"hour": 9, "minute": 58}
